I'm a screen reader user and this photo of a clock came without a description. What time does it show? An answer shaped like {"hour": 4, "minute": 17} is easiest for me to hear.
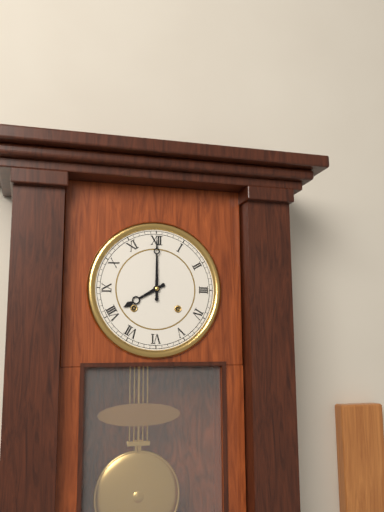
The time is {"hour": 8, "minute": 0}
